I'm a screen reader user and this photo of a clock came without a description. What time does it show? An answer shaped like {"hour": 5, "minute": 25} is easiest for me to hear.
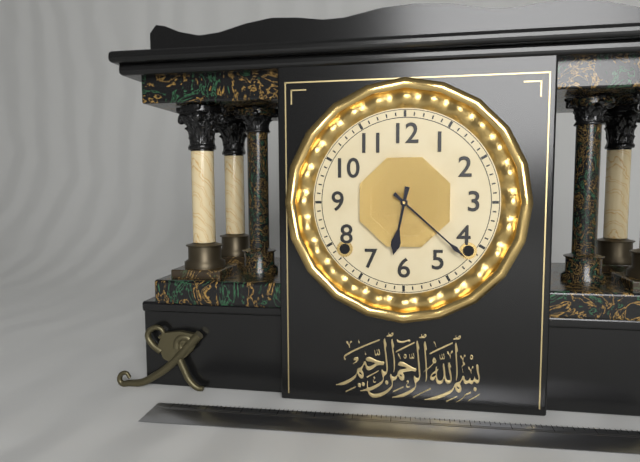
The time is {"hour": 6, "minute": 22}
